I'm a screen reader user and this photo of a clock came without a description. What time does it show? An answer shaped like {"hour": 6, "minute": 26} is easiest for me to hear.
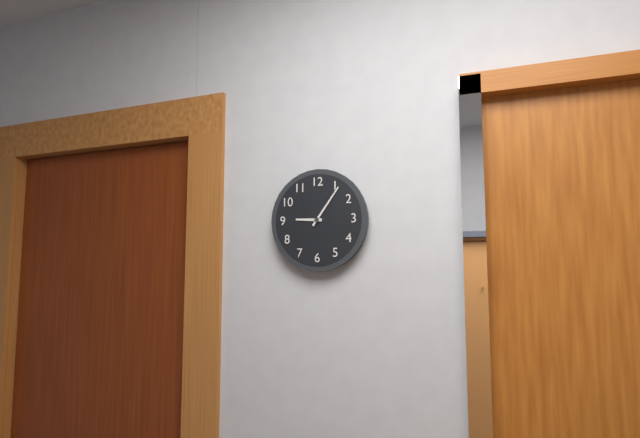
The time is {"hour": 9, "minute": 6}
